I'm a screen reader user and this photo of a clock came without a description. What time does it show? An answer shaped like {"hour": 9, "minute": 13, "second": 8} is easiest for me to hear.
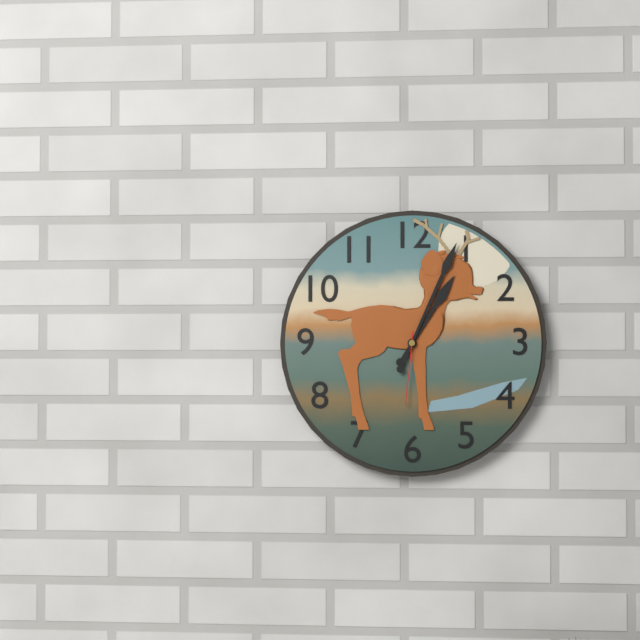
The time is {"hour": 1, "minute": 4, "second": 31}
